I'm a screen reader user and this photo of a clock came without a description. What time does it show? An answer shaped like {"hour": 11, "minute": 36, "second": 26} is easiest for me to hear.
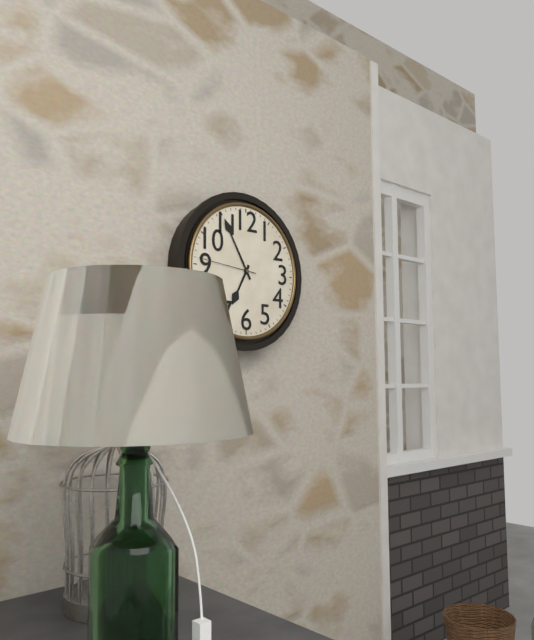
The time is {"hour": 6, "minute": 55, "second": 46}
